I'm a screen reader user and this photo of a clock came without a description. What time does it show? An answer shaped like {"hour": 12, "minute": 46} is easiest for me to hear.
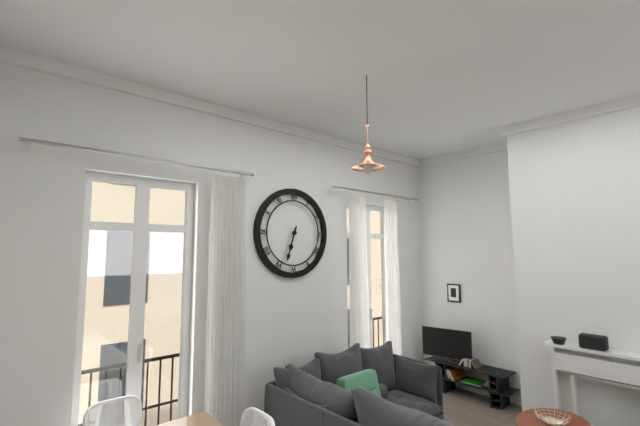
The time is {"hour": 6, "minute": 33}
